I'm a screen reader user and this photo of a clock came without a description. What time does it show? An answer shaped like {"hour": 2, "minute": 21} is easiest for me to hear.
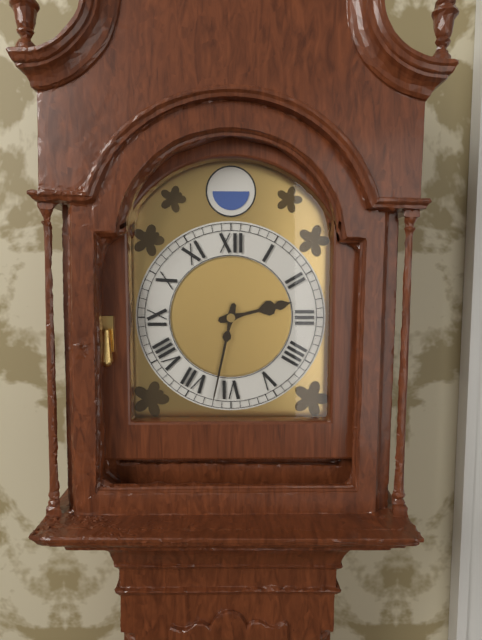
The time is {"hour": 2, "minute": 32}
